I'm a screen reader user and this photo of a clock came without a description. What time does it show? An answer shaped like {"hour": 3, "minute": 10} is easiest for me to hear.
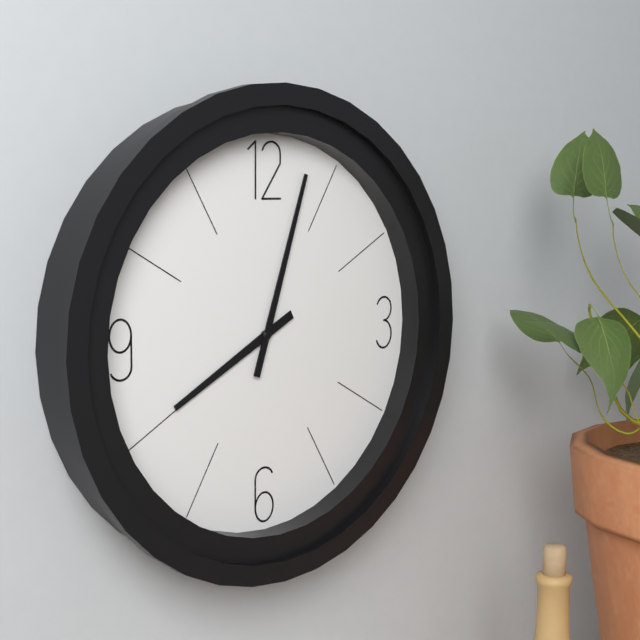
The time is {"hour": 8, "minute": 3}
